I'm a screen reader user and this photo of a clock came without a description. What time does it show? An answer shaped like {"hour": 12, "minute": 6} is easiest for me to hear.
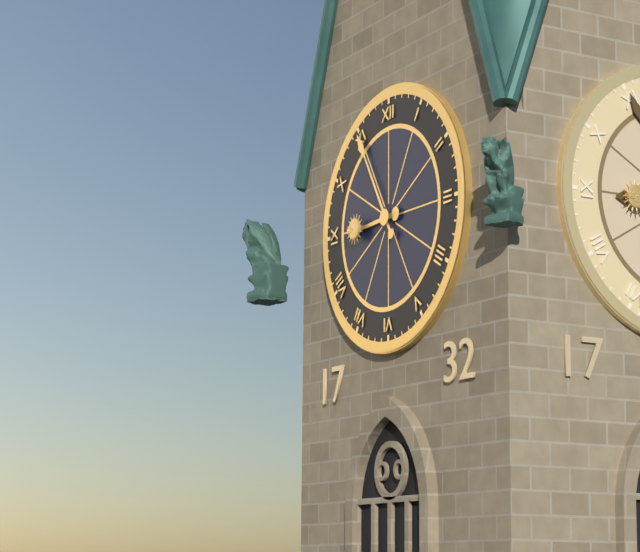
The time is {"hour": 8, "minute": 55}
